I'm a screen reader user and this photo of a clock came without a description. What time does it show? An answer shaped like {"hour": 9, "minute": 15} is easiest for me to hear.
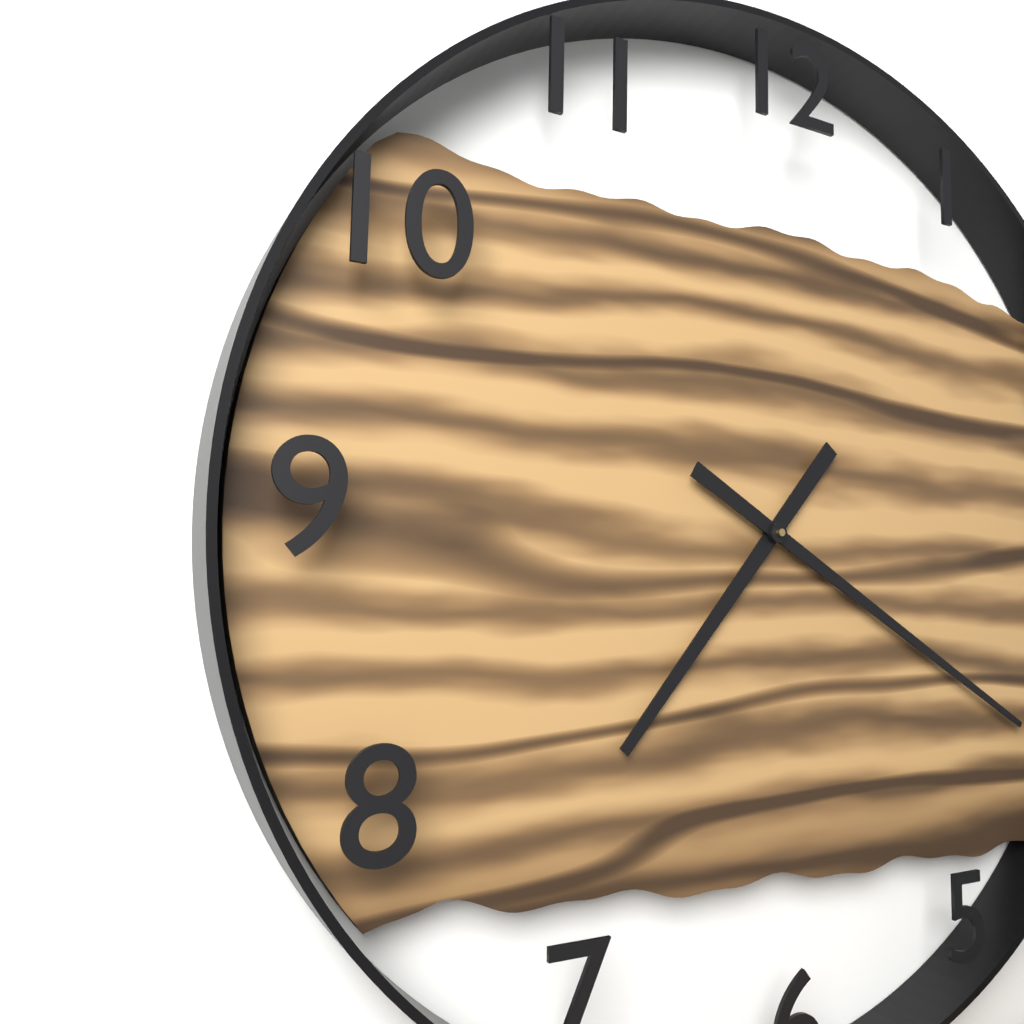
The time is {"hour": 7, "minute": 20}
